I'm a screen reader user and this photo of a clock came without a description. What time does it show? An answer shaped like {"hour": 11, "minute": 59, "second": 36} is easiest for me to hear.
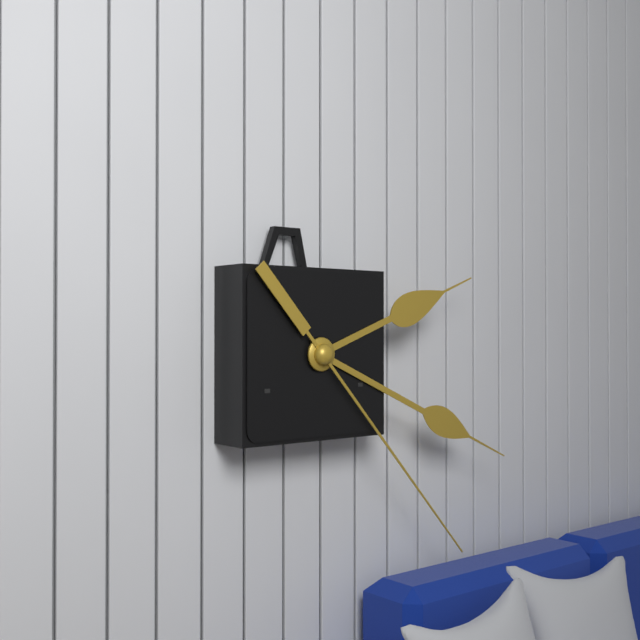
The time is {"hour": 2, "minute": 19, "second": 23}
